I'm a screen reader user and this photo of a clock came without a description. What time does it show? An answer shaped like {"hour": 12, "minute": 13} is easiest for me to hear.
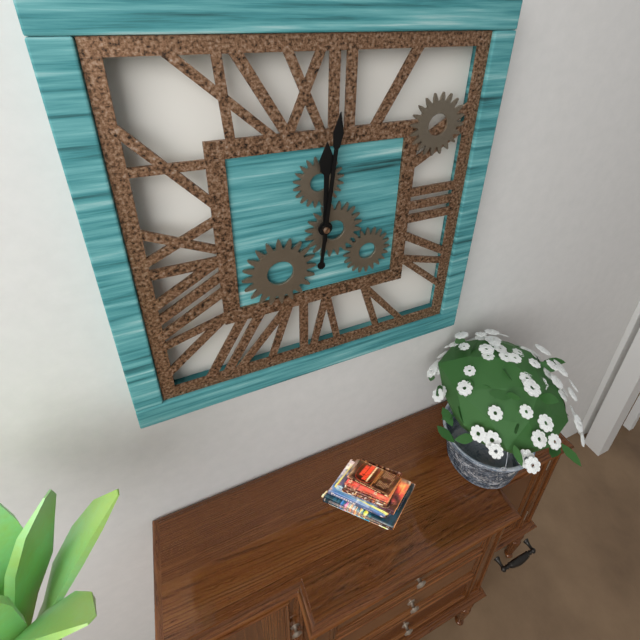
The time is {"hour": 12, "minute": 1}
